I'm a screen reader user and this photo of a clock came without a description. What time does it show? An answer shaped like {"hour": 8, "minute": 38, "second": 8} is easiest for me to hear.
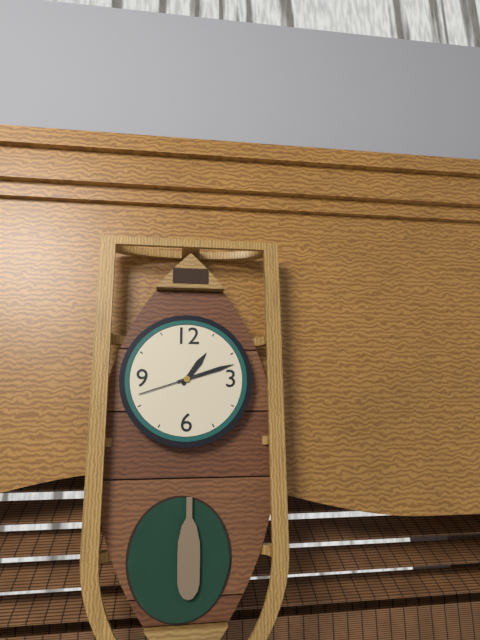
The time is {"hour": 1, "minute": 12, "second": 42}
